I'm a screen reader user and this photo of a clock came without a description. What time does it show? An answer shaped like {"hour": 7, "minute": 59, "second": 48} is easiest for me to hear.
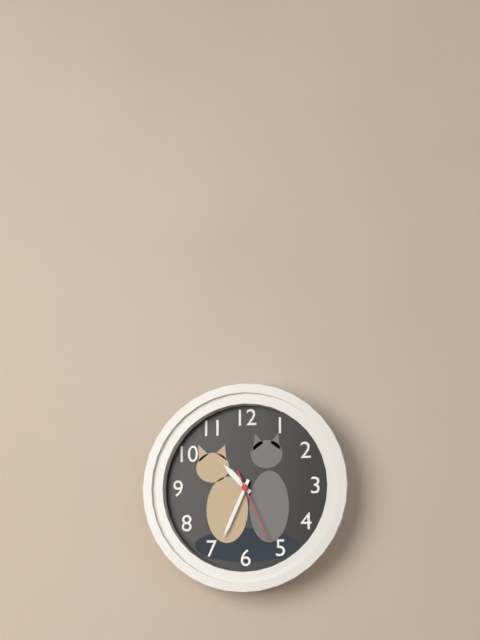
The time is {"hour": 10, "minute": 34, "second": 26}
